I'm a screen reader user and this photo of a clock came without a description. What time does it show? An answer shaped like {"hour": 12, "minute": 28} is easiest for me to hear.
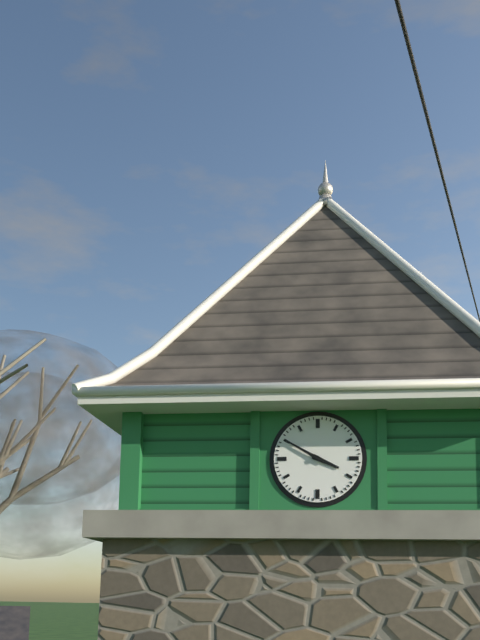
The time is {"hour": 3, "minute": 50}
